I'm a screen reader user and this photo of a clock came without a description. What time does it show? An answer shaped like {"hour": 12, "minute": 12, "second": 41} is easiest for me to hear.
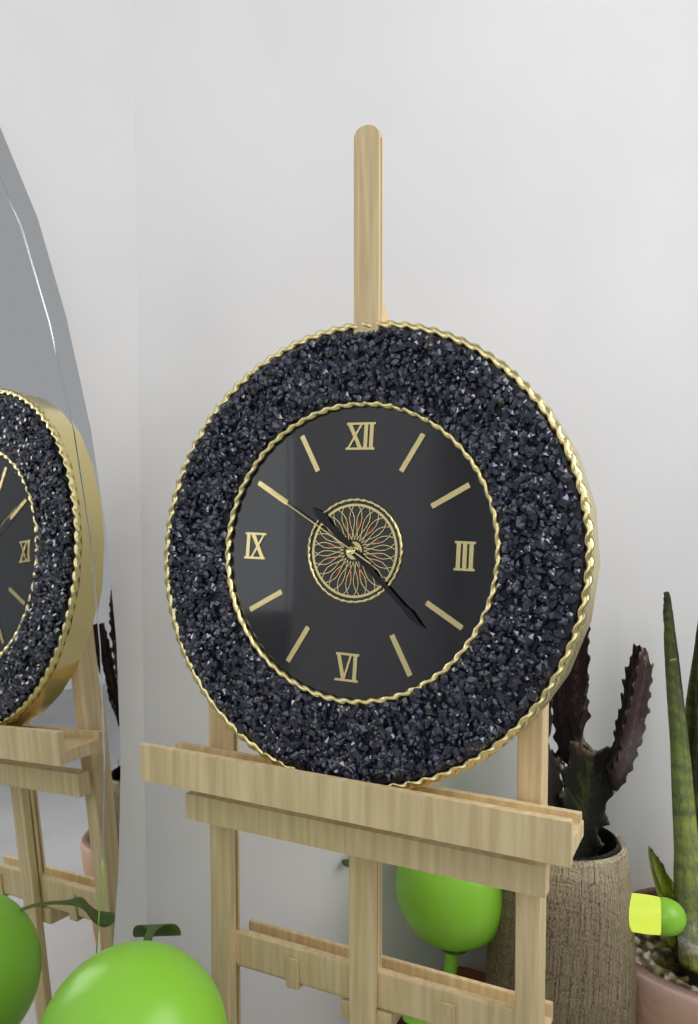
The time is {"hour": 10, "minute": 22, "second": 50}
